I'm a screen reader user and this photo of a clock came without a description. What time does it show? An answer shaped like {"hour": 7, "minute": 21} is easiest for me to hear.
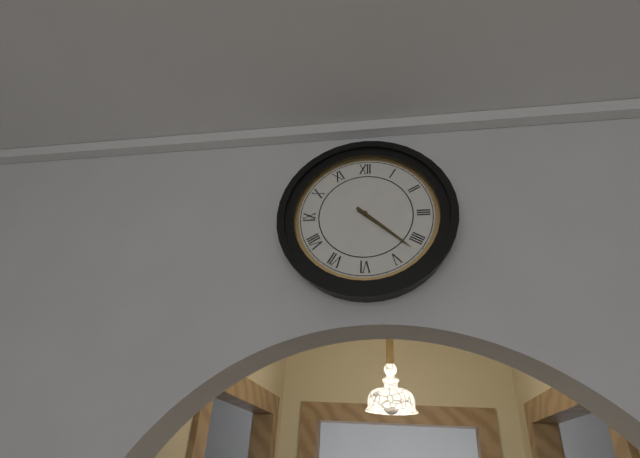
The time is {"hour": 4, "minute": 22}
